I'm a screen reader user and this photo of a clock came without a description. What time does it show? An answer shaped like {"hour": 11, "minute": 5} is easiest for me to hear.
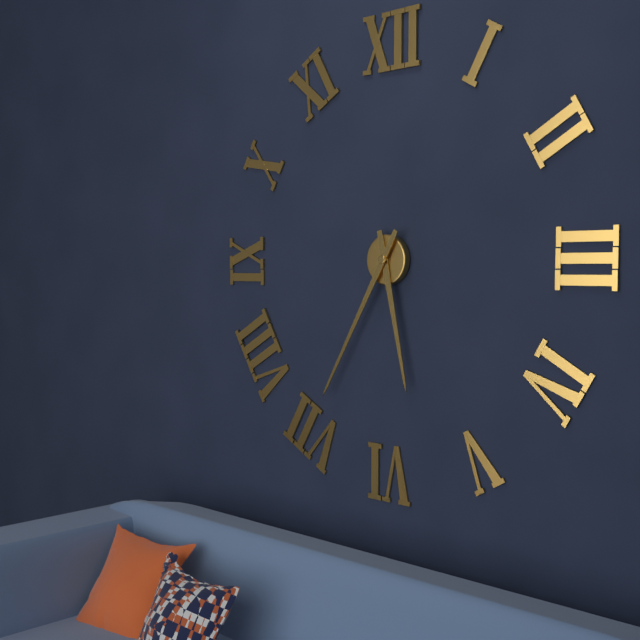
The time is {"hour": 5, "minute": 35}
